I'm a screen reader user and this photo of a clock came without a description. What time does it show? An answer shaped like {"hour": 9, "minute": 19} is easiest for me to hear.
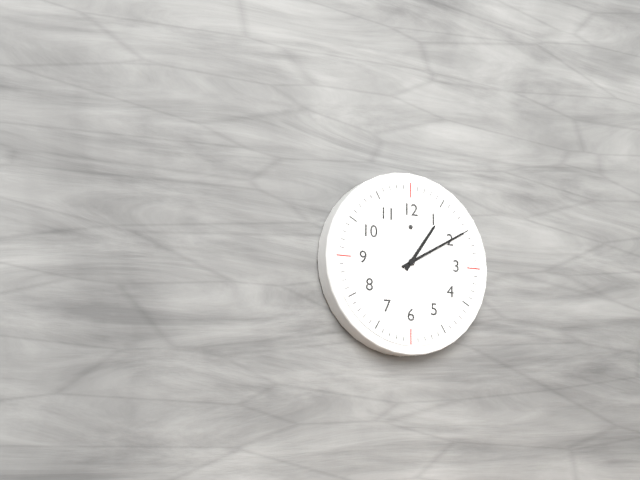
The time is {"hour": 1, "minute": 10}
